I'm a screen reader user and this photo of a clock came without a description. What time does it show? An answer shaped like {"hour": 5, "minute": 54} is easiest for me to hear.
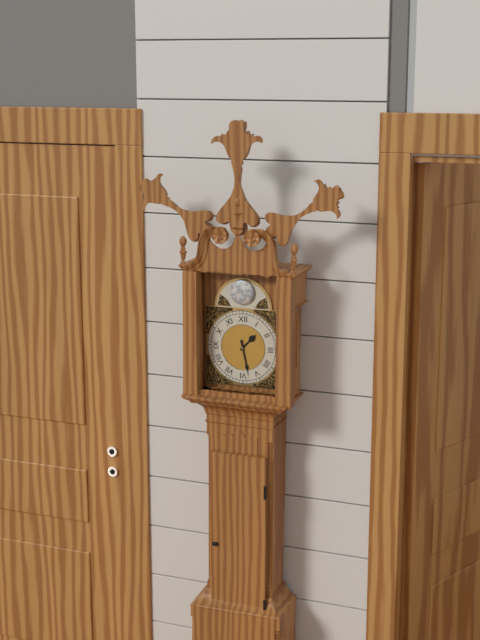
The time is {"hour": 1, "minute": 28}
